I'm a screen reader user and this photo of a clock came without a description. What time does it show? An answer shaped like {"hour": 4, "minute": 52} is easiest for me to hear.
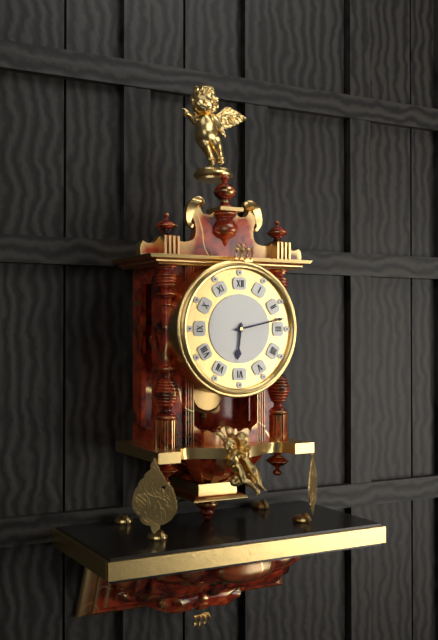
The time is {"hour": 6, "minute": 13}
